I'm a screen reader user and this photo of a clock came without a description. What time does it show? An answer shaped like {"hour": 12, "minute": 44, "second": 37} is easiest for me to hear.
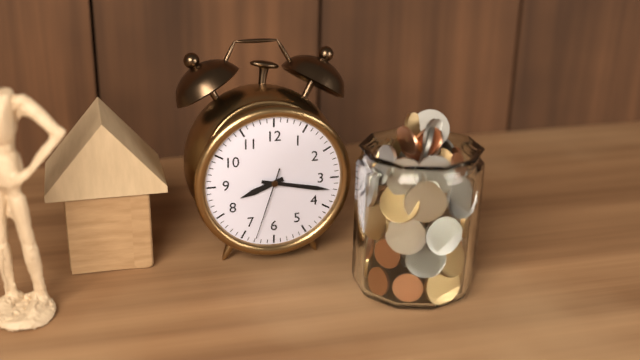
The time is {"hour": 8, "minute": 17, "second": 33}
